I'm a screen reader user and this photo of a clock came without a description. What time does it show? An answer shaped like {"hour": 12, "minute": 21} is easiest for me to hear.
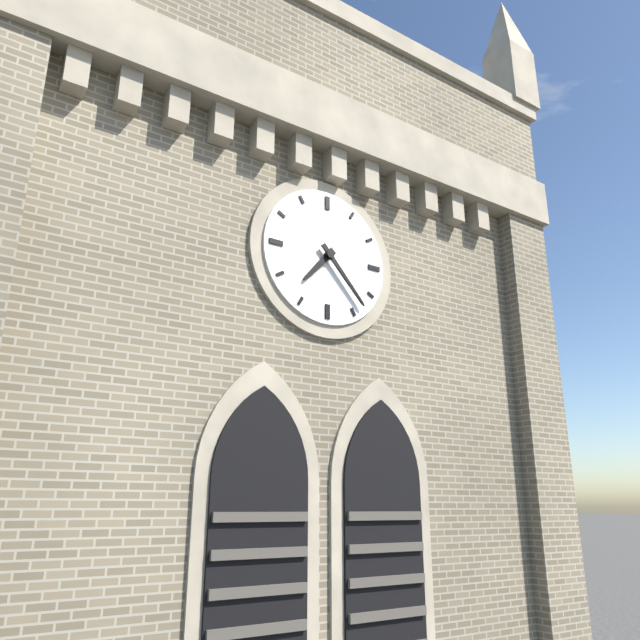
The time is {"hour": 7, "minute": 23}
